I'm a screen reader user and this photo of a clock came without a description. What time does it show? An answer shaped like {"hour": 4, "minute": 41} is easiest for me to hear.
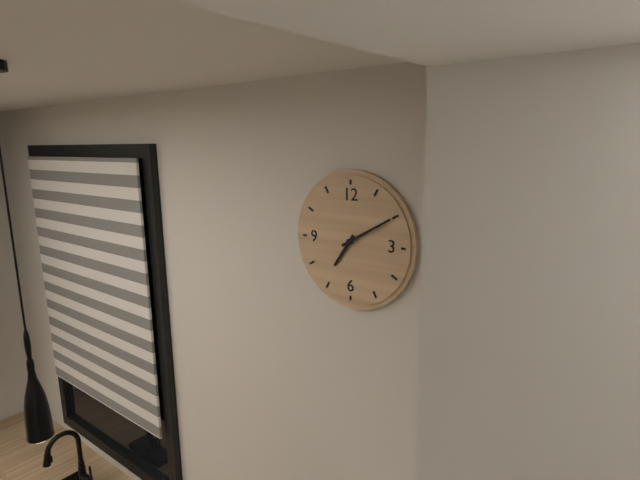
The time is {"hour": 7, "minute": 10}
